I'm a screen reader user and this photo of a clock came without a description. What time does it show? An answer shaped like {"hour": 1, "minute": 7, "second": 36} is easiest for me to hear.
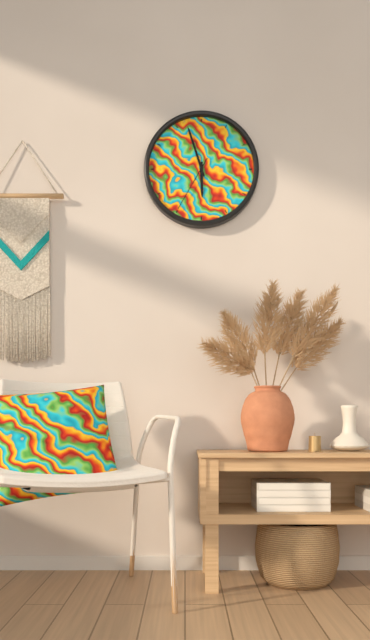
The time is {"hour": 5, "minute": 57, "second": 35}
